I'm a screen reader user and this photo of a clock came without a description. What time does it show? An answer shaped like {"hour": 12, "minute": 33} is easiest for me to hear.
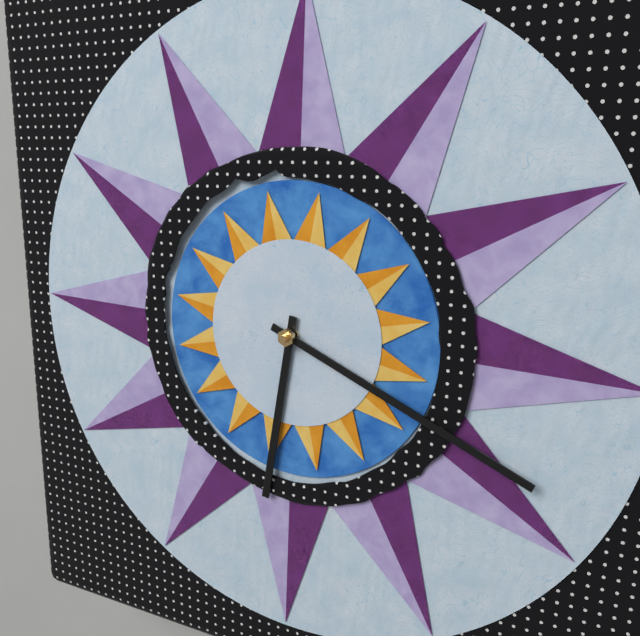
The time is {"hour": 6, "minute": 19}
